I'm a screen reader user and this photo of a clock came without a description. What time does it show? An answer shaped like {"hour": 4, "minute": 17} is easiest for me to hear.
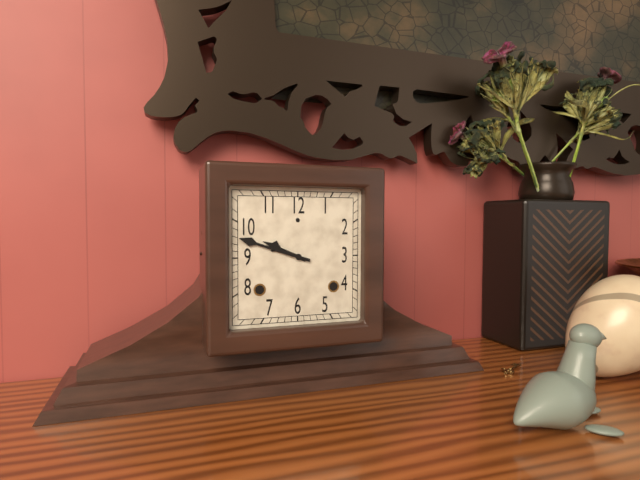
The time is {"hour": 9, "minute": 48}
